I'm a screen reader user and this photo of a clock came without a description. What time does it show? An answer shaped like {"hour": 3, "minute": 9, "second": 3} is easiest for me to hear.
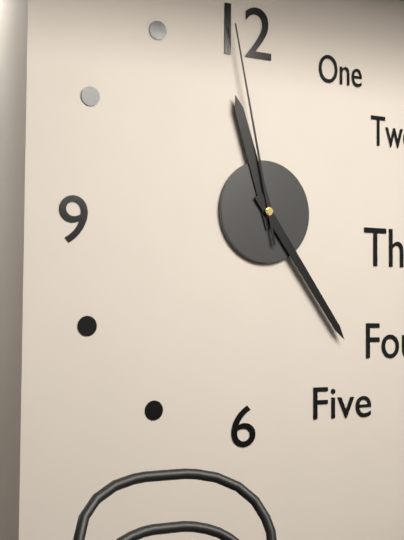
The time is {"hour": 11, "minute": 24, "second": 58}
